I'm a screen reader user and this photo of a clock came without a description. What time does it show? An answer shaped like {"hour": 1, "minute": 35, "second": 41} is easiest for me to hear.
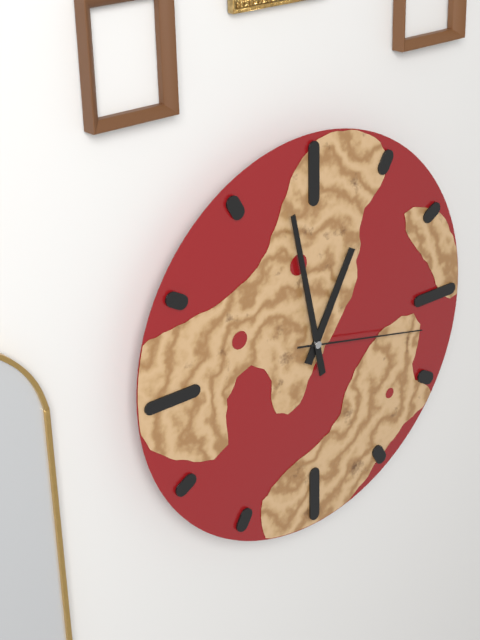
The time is {"hour": 12, "minute": 58, "second": 17}
